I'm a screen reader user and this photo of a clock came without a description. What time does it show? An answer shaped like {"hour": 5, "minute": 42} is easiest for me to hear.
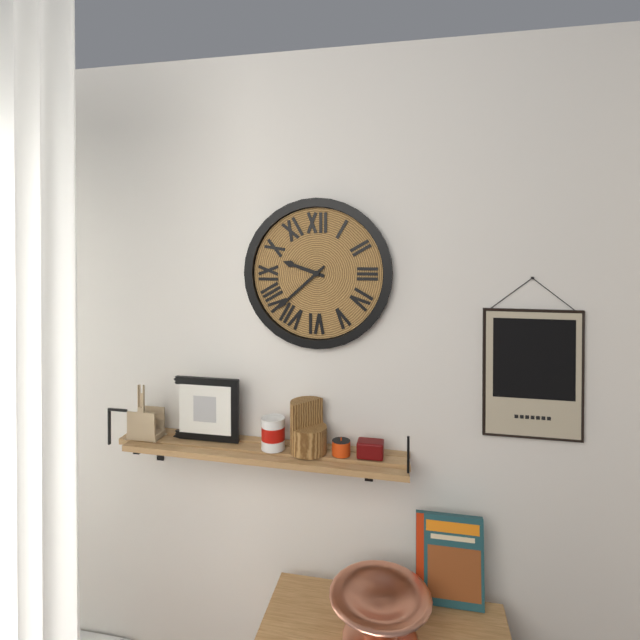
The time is {"hour": 9, "minute": 38}
